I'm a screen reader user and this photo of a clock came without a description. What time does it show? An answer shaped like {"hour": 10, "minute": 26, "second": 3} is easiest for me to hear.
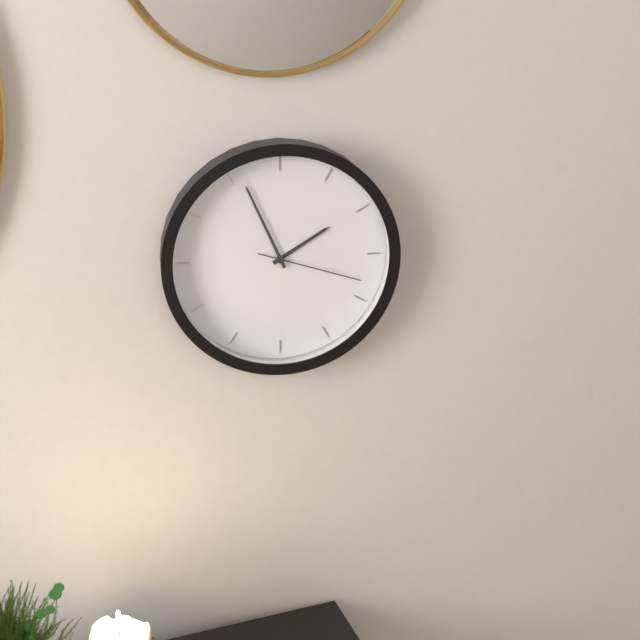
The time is {"hour": 1, "minute": 56, "second": 18}
